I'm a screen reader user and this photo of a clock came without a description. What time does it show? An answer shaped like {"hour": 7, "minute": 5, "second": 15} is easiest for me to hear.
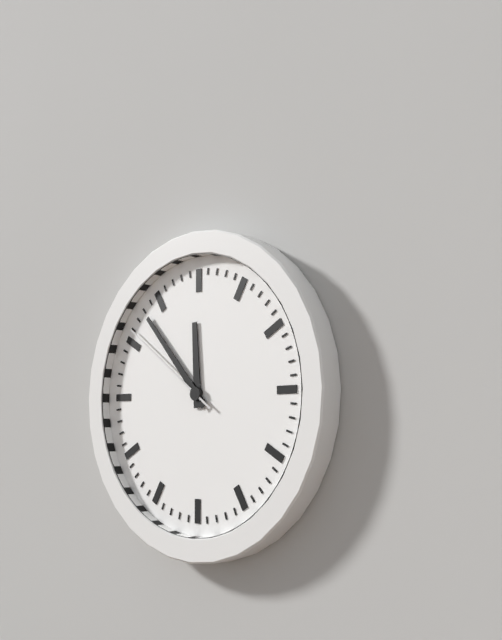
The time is {"hour": 11, "minute": 53, "second": 51}
